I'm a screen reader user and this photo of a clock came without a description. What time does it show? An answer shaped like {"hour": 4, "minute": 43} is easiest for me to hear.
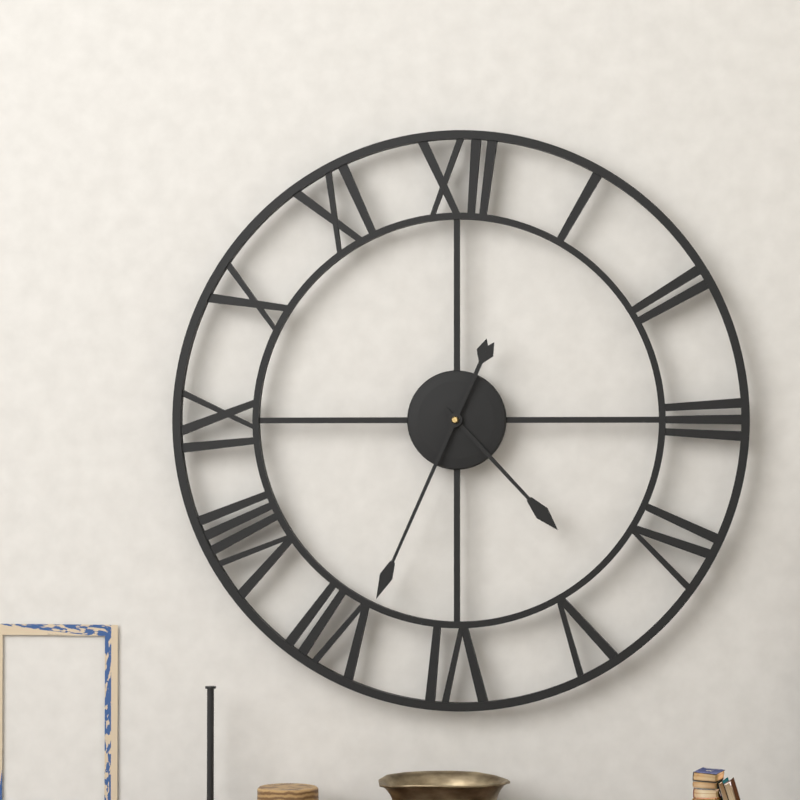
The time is {"hour": 4, "minute": 34}
